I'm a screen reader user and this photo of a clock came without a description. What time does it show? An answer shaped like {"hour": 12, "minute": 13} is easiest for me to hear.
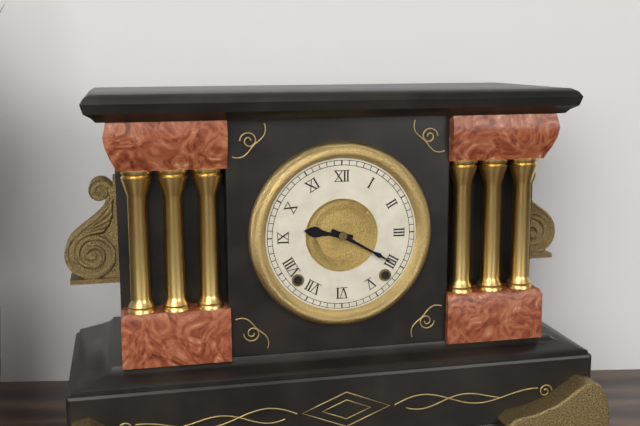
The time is {"hour": 9, "minute": 20}
